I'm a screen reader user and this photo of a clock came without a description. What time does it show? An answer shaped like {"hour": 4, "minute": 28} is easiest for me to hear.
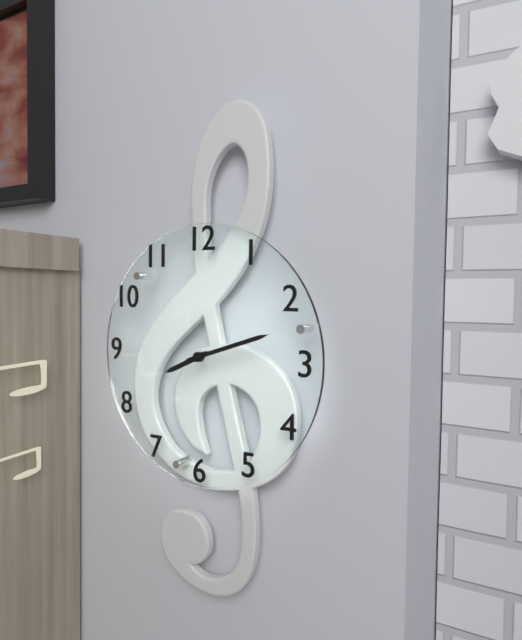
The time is {"hour": 8, "minute": 12}
